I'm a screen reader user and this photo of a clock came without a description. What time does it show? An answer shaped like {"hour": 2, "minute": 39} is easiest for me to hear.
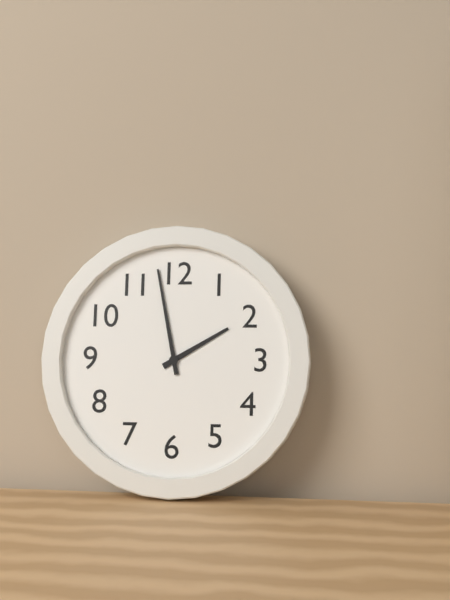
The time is {"hour": 1, "minute": 58}
